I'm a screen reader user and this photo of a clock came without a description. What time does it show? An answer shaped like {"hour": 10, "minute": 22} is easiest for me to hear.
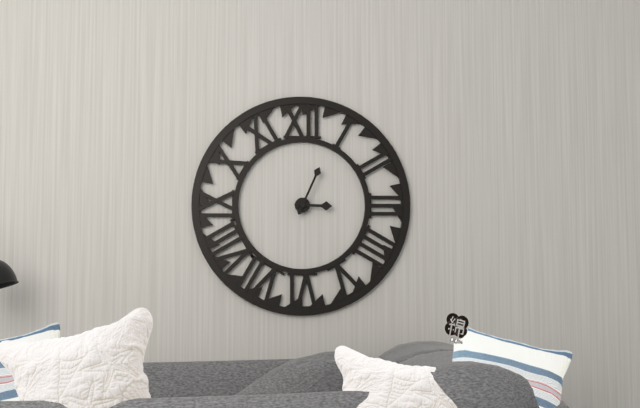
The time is {"hour": 3, "minute": 4}
